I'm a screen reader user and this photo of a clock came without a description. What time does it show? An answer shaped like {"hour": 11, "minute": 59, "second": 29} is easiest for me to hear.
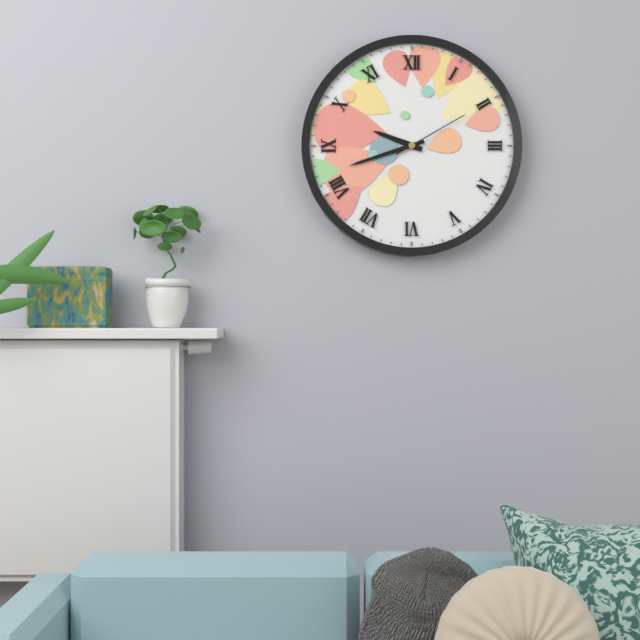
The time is {"hour": 9, "minute": 42, "second": 10}
